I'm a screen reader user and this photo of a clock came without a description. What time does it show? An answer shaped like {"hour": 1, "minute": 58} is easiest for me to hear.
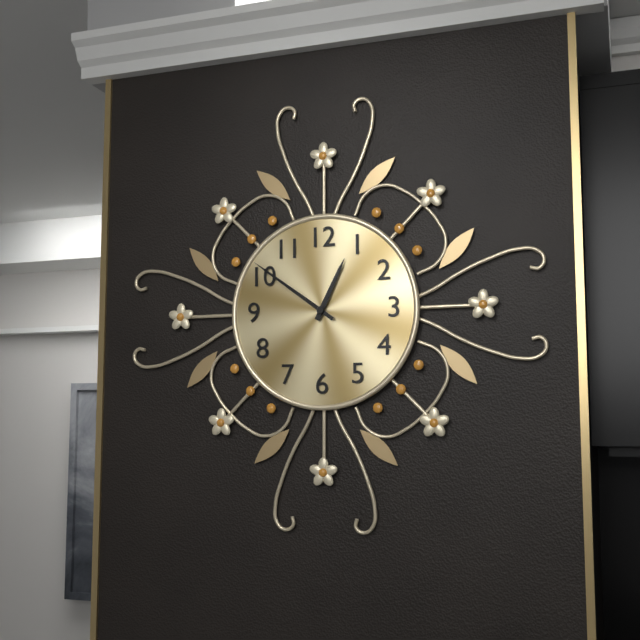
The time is {"hour": 12, "minute": 51}
